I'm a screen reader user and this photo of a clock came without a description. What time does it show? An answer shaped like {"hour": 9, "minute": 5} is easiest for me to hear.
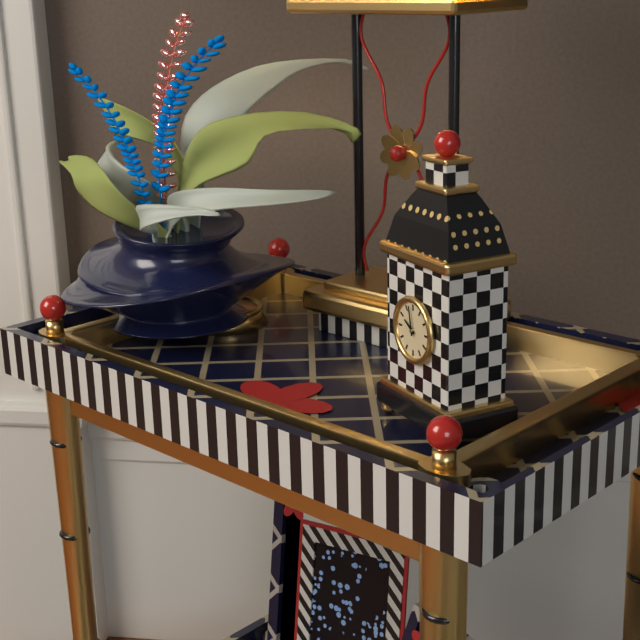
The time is {"hour": 9, "minute": 58}
